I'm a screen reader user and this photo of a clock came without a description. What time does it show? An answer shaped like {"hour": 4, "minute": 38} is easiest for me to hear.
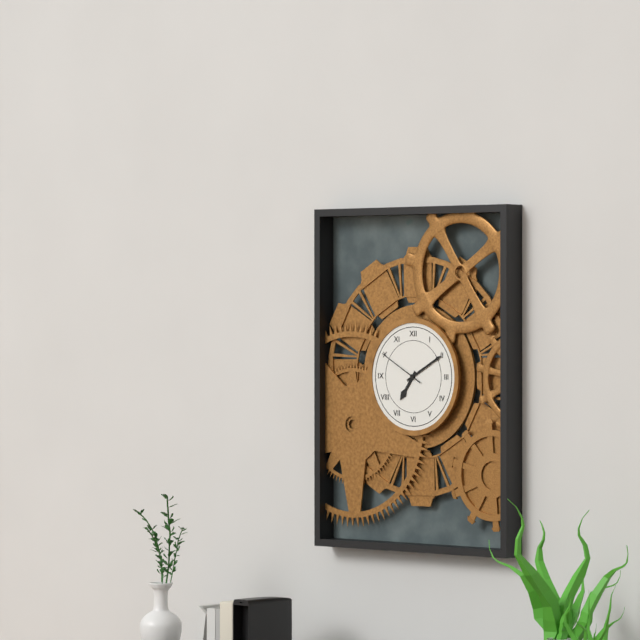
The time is {"hour": 7, "minute": 10}
